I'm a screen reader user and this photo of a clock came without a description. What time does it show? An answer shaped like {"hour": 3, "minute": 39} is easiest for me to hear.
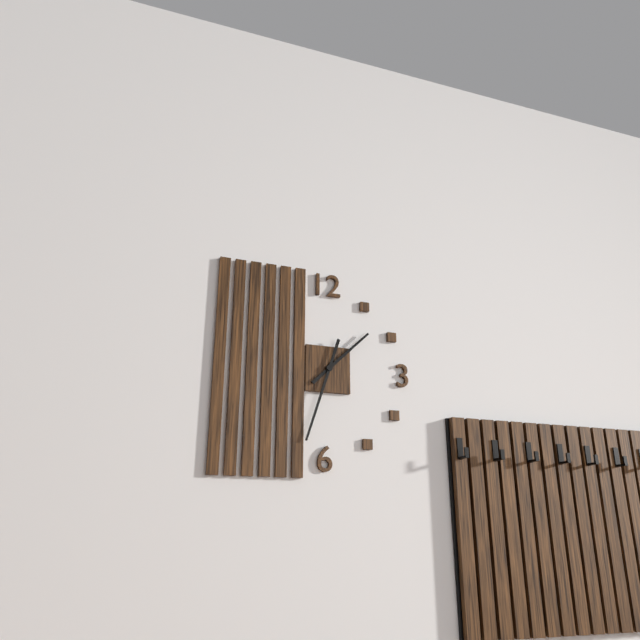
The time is {"hour": 1, "minute": 33}
